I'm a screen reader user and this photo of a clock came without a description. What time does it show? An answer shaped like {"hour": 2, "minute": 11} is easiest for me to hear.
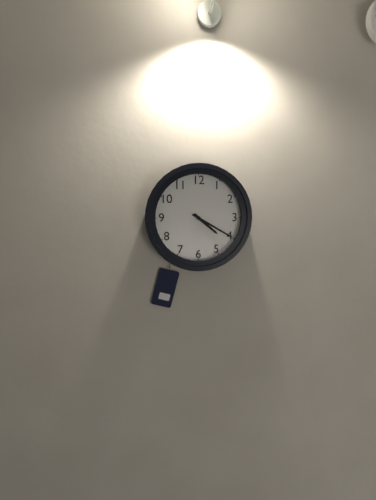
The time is {"hour": 4, "minute": 20}
